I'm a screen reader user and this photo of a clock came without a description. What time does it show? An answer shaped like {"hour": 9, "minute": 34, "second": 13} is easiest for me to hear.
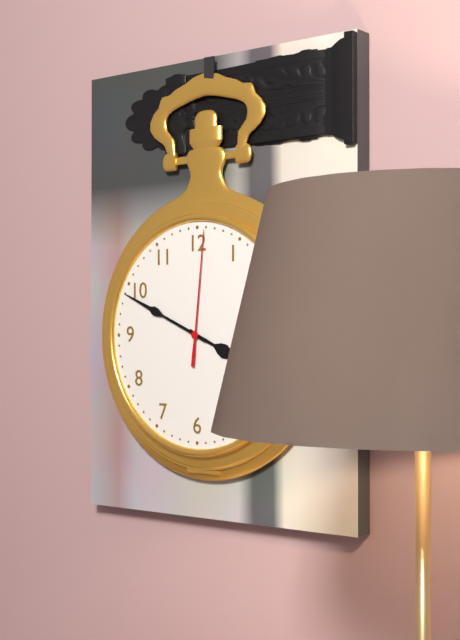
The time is {"hour": 3, "minute": 49, "second": 1}
